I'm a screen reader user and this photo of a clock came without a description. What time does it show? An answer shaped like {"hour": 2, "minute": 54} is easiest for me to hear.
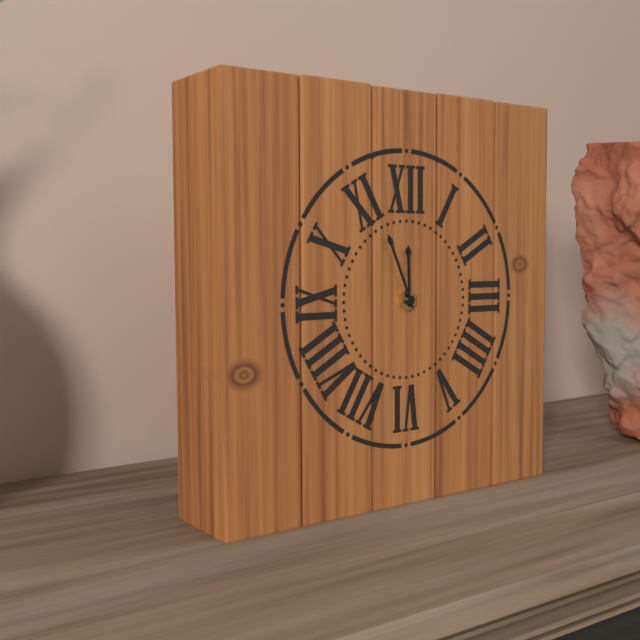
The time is {"hour": 11, "minute": 56}
